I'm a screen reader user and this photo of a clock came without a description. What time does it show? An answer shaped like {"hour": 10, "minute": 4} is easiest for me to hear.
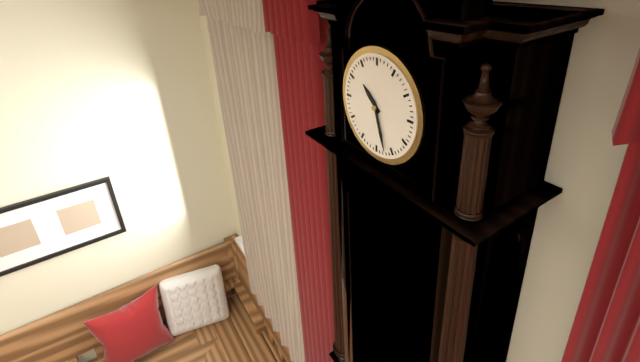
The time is {"hour": 10, "minute": 27}
